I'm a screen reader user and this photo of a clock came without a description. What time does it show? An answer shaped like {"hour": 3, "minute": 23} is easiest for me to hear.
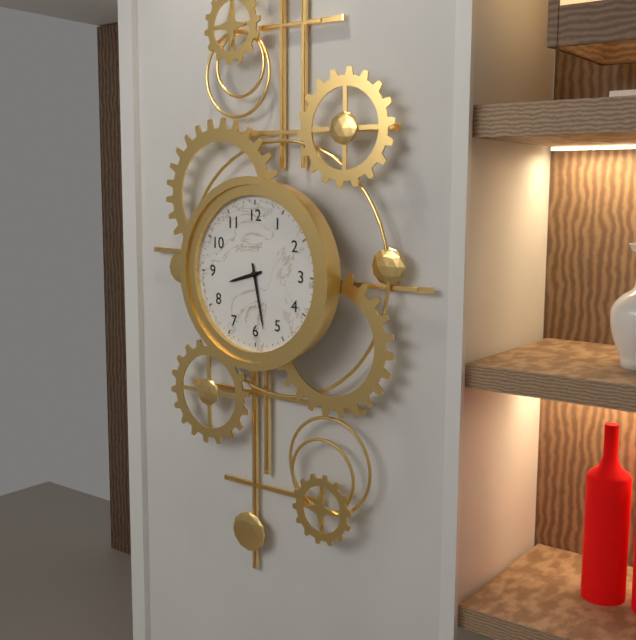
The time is {"hour": 8, "minute": 28}
